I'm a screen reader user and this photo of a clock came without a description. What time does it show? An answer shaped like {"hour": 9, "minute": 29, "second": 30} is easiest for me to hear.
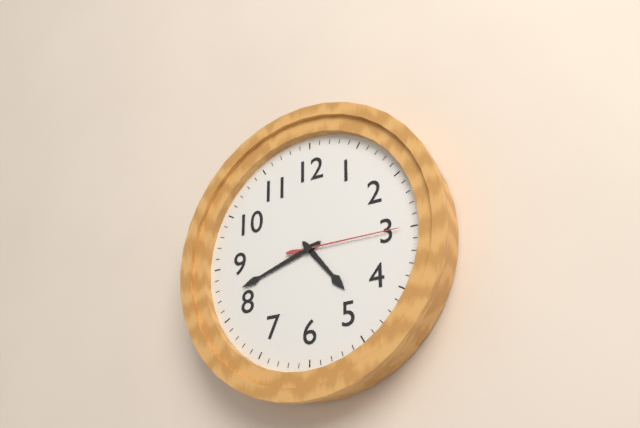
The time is {"hour": 4, "minute": 42, "second": 15}
